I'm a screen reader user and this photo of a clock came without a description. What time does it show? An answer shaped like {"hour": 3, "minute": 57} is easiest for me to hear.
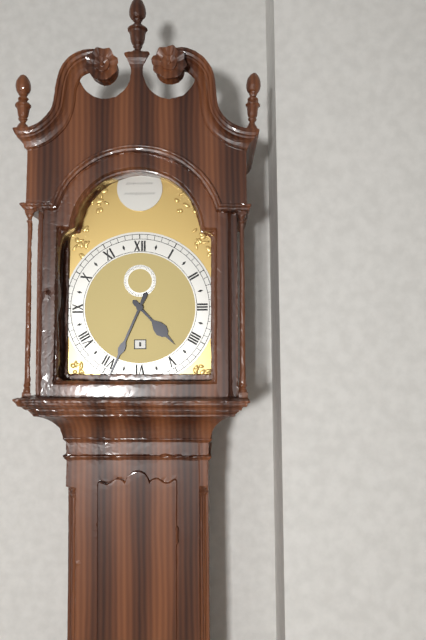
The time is {"hour": 4, "minute": 34}
